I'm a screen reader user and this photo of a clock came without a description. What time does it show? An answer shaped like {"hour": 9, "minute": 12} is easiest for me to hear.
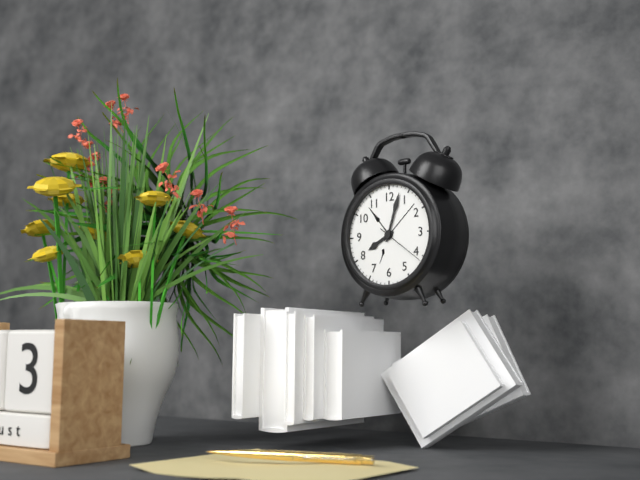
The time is {"hour": 8, "minute": 3}
